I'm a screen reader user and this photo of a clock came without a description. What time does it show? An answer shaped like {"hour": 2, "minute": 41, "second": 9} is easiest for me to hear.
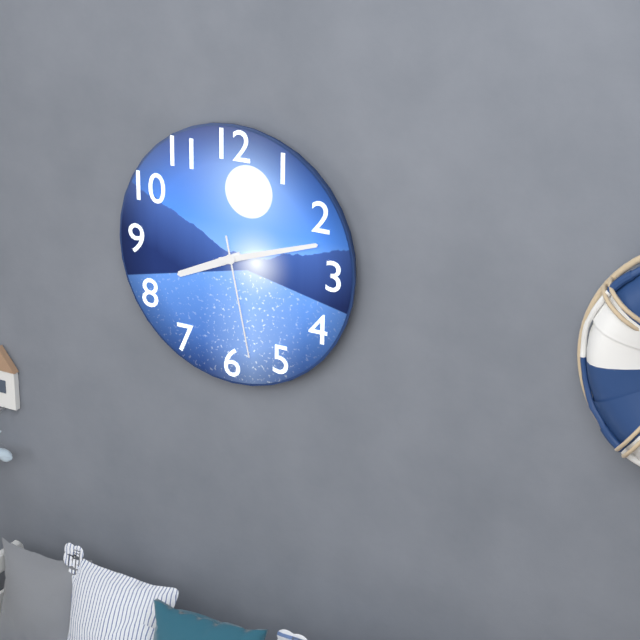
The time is {"hour": 8, "minute": 12, "second": 28}
